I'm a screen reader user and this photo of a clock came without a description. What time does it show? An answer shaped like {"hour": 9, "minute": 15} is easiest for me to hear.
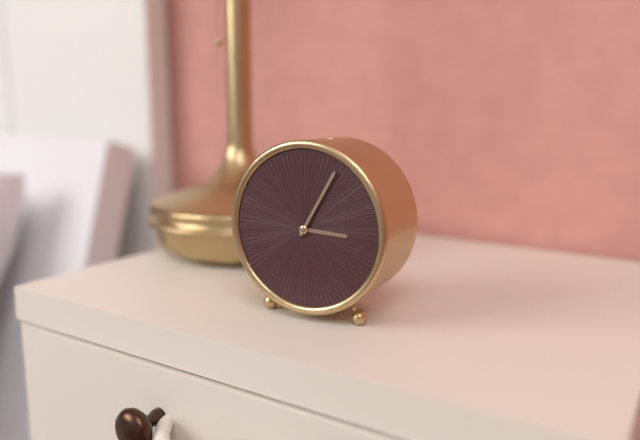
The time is {"hour": 3, "minute": 5}
